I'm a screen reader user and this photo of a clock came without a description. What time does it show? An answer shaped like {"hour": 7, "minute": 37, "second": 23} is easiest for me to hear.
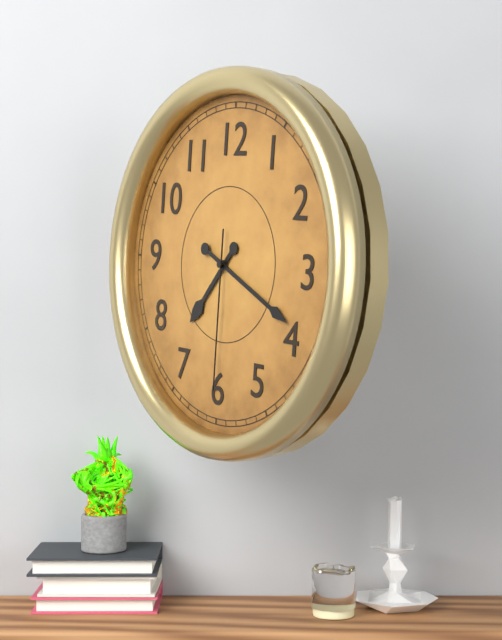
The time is {"hour": 7, "minute": 19, "second": 30}
